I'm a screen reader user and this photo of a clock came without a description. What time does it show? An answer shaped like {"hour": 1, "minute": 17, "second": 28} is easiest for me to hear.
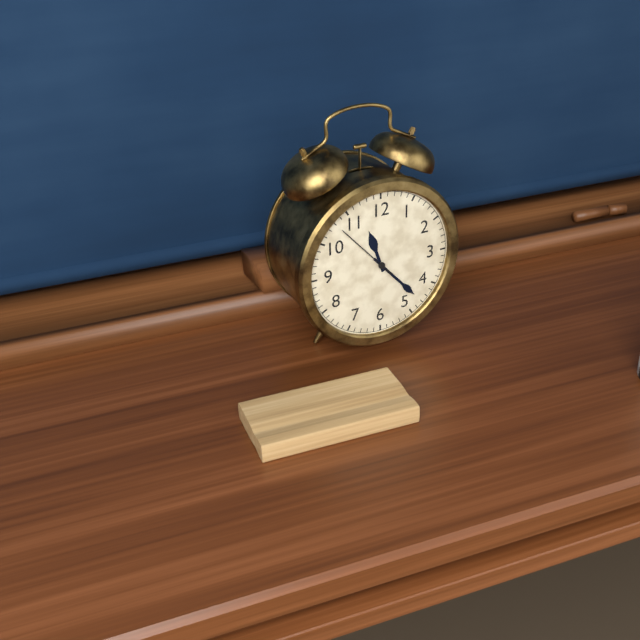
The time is {"hour": 11, "minute": 23, "second": 53}
